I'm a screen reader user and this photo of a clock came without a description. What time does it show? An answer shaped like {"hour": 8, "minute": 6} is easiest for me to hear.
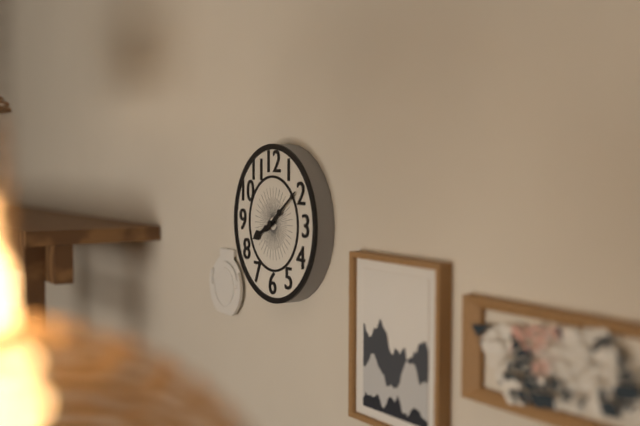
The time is {"hour": 8, "minute": 9}
